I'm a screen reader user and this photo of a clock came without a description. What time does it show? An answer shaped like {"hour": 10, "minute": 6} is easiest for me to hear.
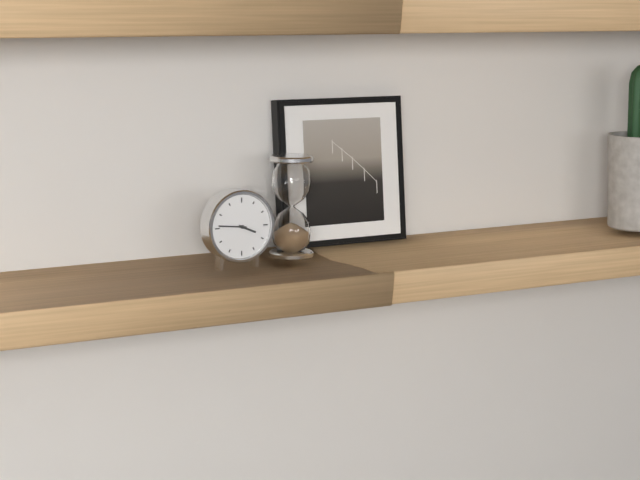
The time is {"hour": 3, "minute": 46}
